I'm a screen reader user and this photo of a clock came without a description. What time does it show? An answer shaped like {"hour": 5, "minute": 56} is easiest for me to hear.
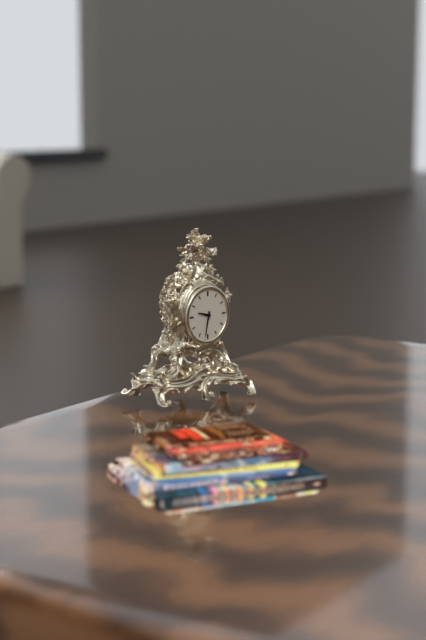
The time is {"hour": 9, "minute": 32}
